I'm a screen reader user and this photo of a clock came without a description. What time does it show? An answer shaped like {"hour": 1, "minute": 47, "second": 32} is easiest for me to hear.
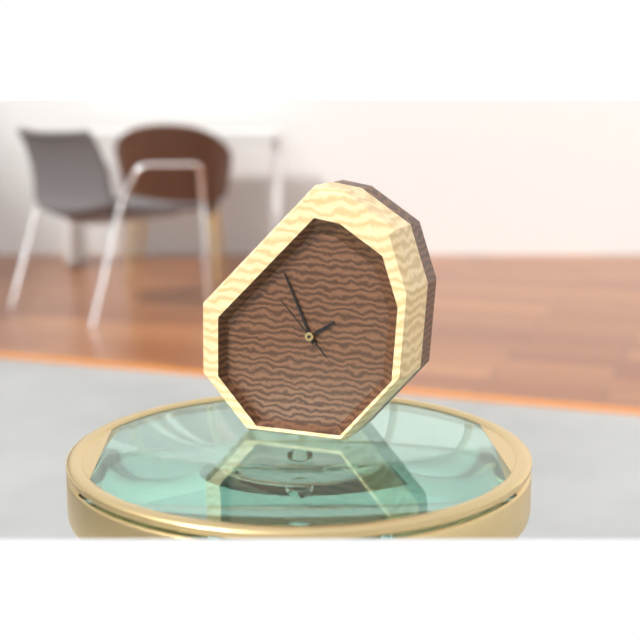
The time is {"hour": 1, "minute": 56, "second": 53}
